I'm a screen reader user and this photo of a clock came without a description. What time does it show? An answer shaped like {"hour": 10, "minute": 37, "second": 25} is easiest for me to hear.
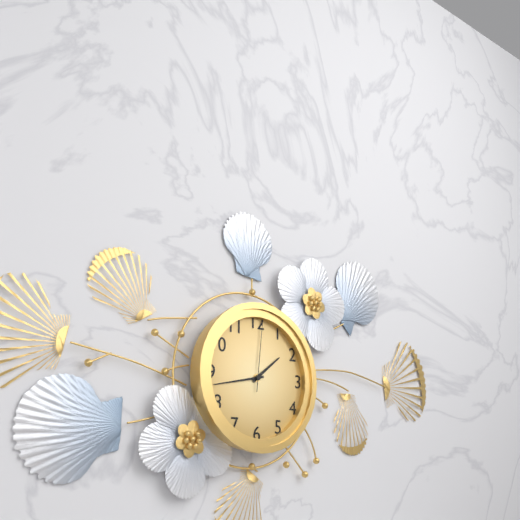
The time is {"hour": 1, "minute": 43, "second": 1}
